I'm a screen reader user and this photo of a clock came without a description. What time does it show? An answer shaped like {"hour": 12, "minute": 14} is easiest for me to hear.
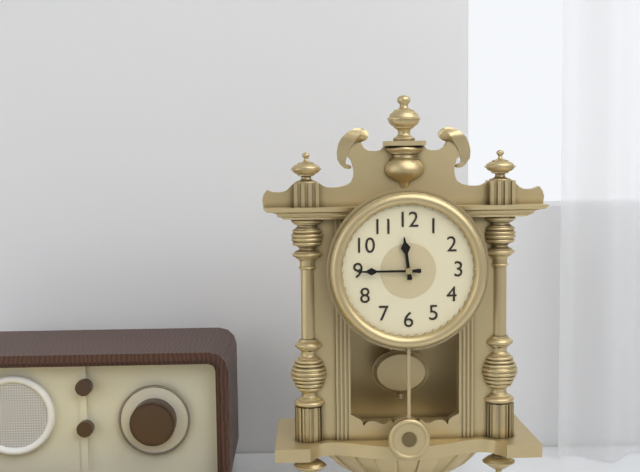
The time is {"hour": 11, "minute": 45}
